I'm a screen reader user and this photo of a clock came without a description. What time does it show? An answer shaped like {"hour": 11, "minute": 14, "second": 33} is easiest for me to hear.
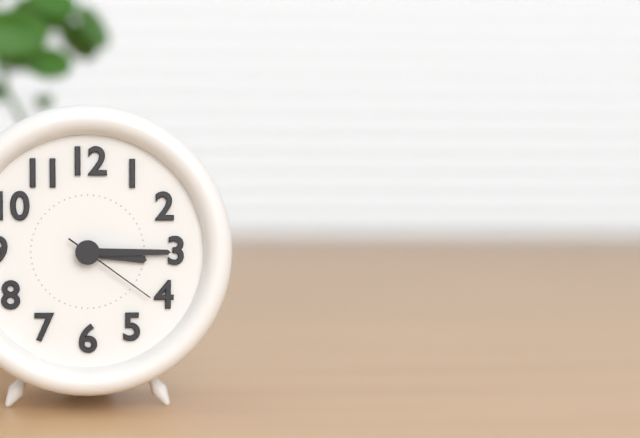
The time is {"hour": 3, "minute": 15, "second": 21}
